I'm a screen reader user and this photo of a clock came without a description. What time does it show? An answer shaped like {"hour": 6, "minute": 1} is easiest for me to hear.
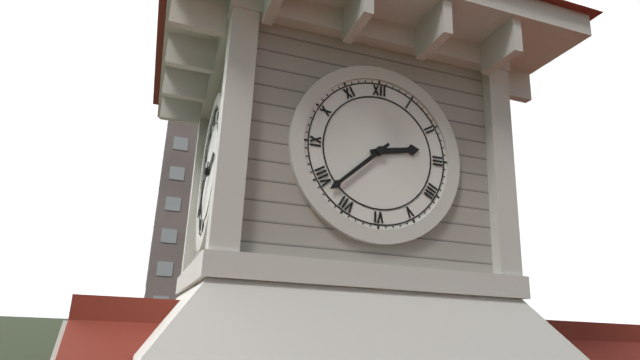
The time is {"hour": 2, "minute": 38}
